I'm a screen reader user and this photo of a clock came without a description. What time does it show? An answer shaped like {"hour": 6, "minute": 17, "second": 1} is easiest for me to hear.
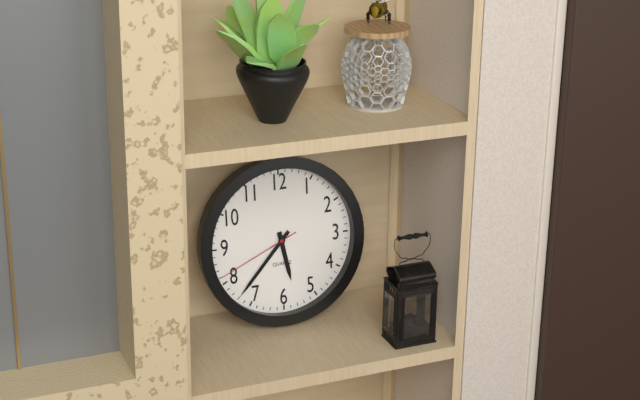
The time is {"hour": 5, "minute": 37, "second": 41}
